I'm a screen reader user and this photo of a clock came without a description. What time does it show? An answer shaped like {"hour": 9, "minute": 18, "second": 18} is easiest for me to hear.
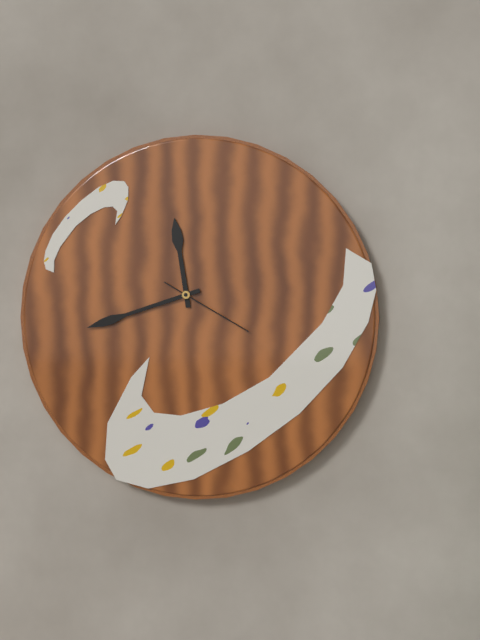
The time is {"hour": 11, "minute": 42, "second": 20}
